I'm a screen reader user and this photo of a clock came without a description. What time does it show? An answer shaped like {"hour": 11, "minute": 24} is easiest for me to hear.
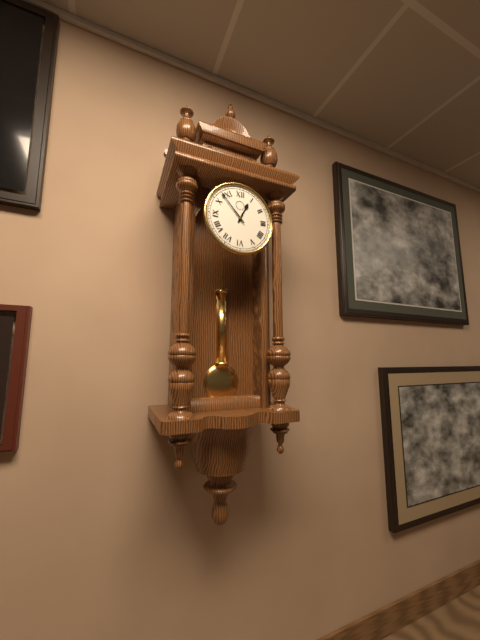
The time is {"hour": 12, "minute": 53}
